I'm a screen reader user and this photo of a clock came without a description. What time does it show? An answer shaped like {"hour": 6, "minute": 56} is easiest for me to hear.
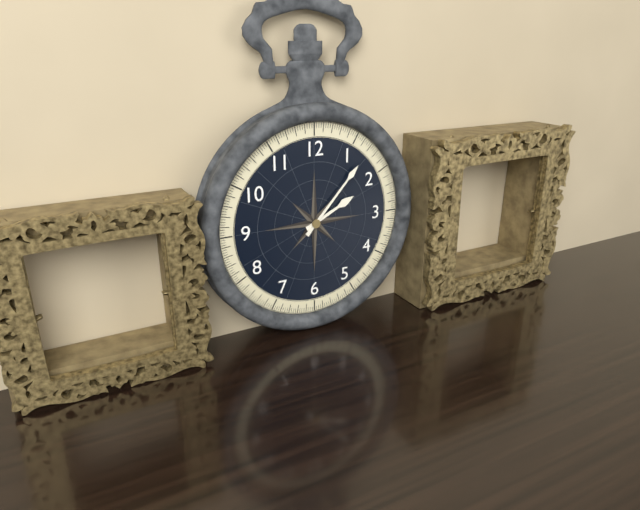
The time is {"hour": 2, "minute": 7}
